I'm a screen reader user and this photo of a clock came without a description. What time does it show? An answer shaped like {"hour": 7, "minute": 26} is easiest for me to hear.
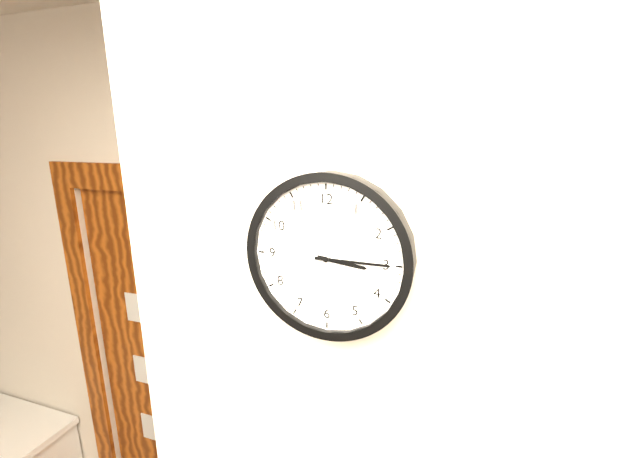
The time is {"hour": 3, "minute": 15}
